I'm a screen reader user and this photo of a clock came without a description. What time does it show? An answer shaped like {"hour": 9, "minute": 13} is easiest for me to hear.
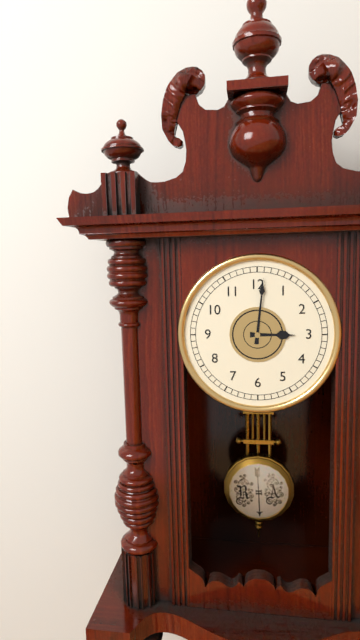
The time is {"hour": 3, "minute": 1}
